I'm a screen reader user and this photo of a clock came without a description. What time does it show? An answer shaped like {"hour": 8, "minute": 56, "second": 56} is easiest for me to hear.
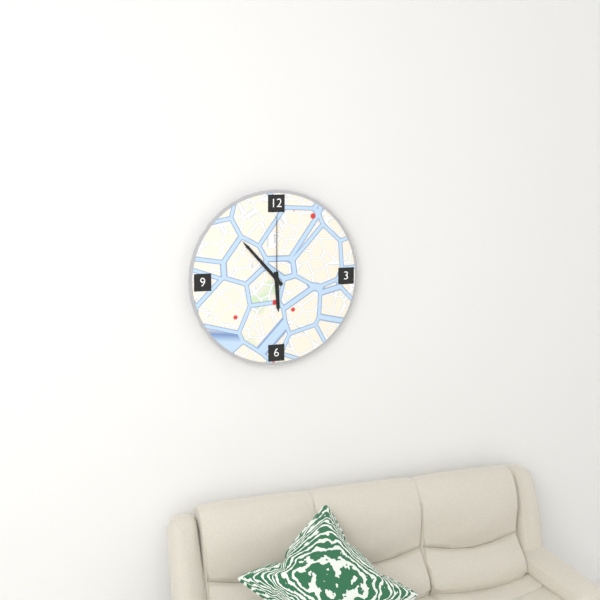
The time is {"hour": 5, "minute": 53, "second": 0}
